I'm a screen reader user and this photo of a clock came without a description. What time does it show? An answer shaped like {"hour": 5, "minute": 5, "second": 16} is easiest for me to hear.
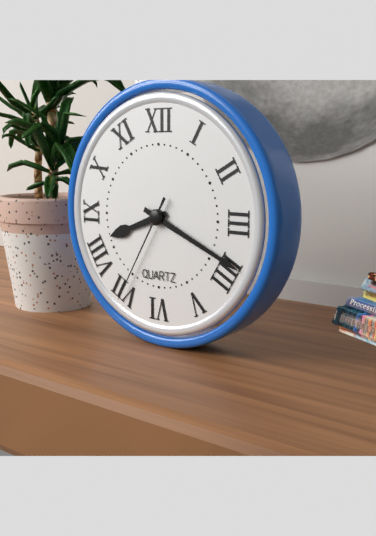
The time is {"hour": 8, "minute": 19, "second": 35}
